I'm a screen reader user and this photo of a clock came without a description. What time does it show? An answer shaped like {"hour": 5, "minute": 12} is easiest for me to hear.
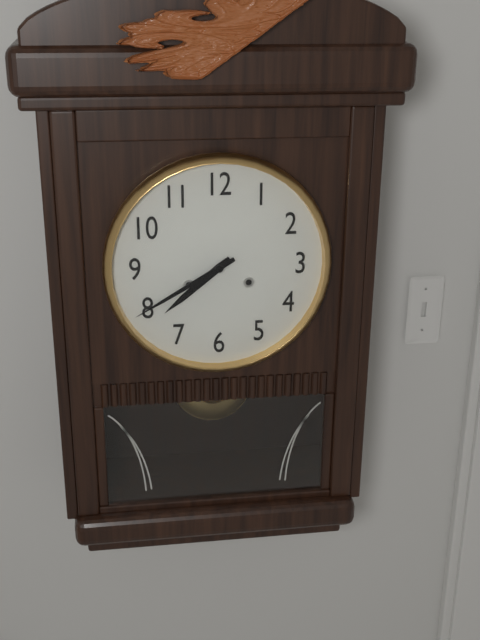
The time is {"hour": 7, "minute": 40}
